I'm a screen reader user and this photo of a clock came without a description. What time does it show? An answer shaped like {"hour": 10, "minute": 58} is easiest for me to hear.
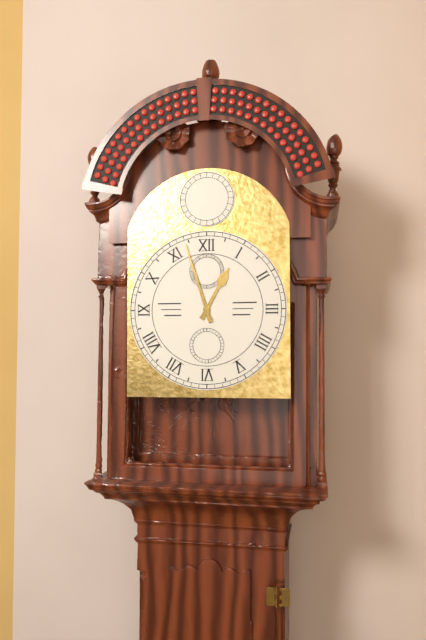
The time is {"hour": 12, "minute": 57}
